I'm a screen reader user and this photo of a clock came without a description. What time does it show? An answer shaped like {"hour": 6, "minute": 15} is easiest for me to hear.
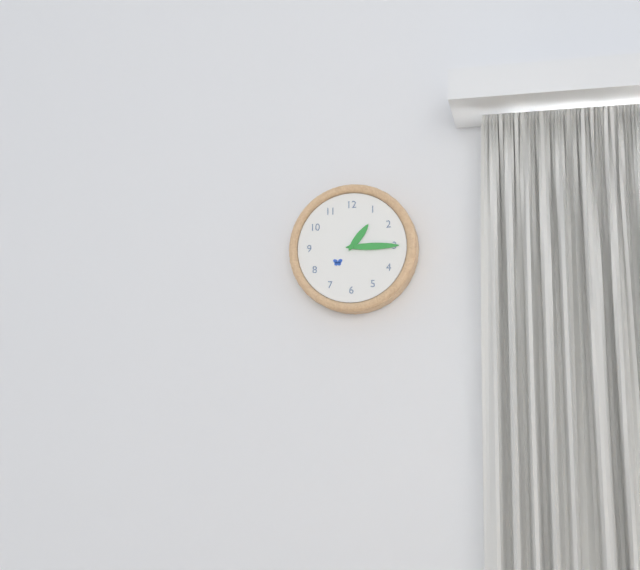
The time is {"hour": 1, "minute": 15}
